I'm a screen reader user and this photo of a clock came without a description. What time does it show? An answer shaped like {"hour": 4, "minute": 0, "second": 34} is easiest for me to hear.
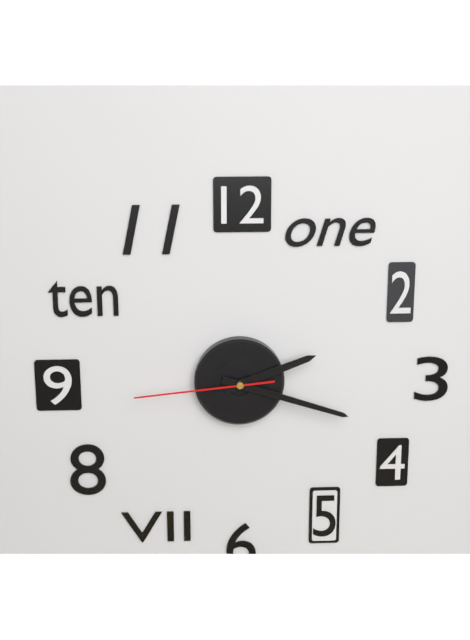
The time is {"hour": 2, "minute": 18, "second": 44}
